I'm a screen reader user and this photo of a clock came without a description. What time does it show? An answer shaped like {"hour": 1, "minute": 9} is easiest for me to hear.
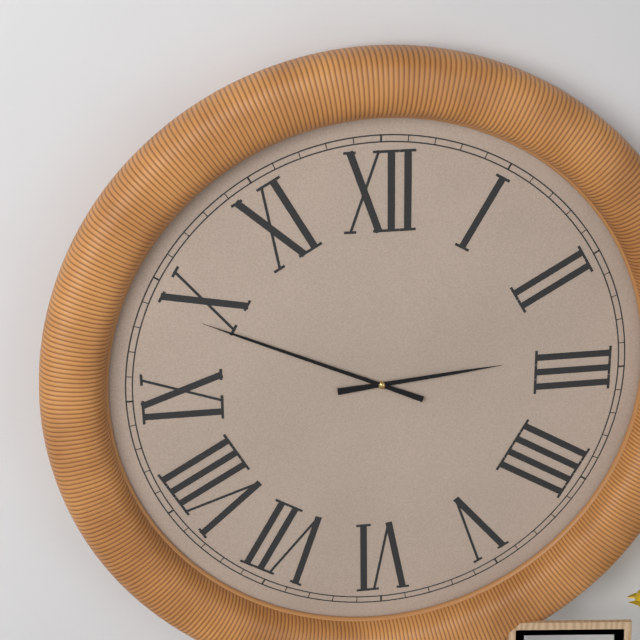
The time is {"hour": 2, "minute": 49}
